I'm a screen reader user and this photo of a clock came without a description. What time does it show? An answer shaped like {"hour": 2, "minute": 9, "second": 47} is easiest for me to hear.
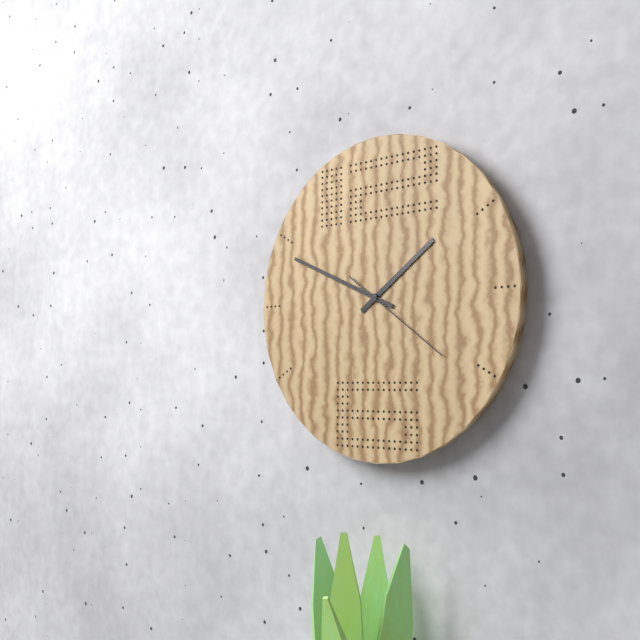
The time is {"hour": 1, "minute": 49, "second": 21}
